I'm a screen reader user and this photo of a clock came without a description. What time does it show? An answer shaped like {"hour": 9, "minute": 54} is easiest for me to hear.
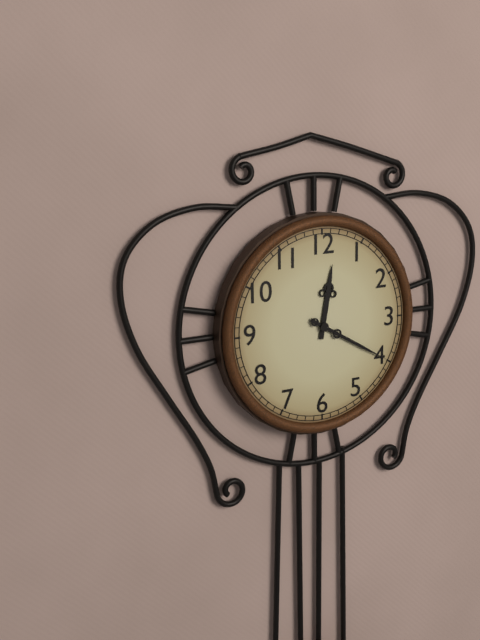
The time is {"hour": 12, "minute": 20}
